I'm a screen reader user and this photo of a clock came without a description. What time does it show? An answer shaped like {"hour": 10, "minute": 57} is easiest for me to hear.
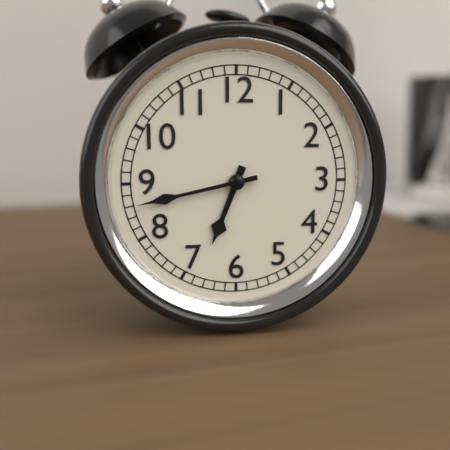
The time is {"hour": 6, "minute": 43}
